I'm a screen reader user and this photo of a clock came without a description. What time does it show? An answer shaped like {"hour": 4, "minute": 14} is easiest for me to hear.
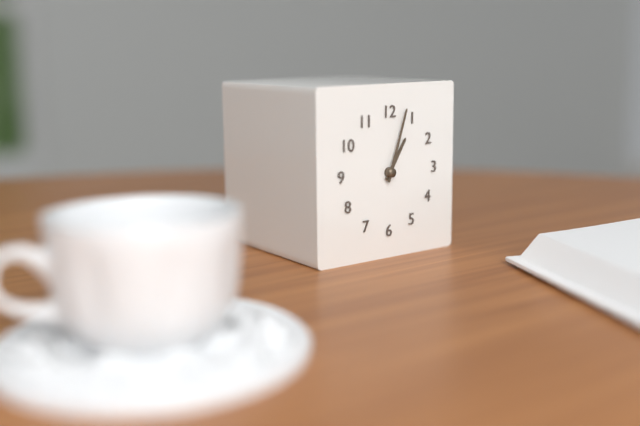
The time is {"hour": 1, "minute": 3}
